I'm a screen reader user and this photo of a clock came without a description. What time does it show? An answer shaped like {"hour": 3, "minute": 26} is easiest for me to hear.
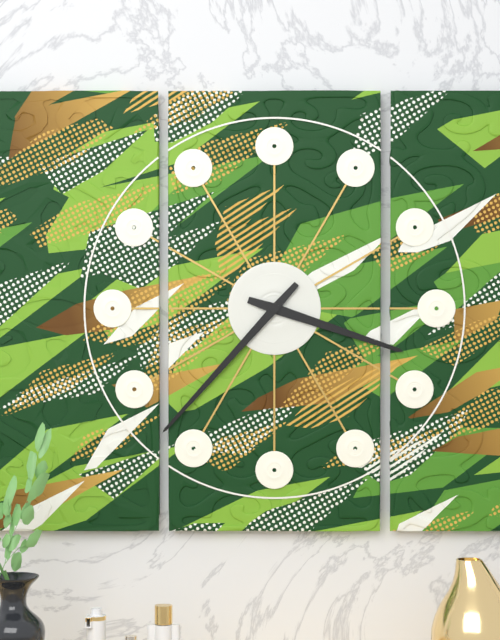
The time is {"hour": 3, "minute": 37}
